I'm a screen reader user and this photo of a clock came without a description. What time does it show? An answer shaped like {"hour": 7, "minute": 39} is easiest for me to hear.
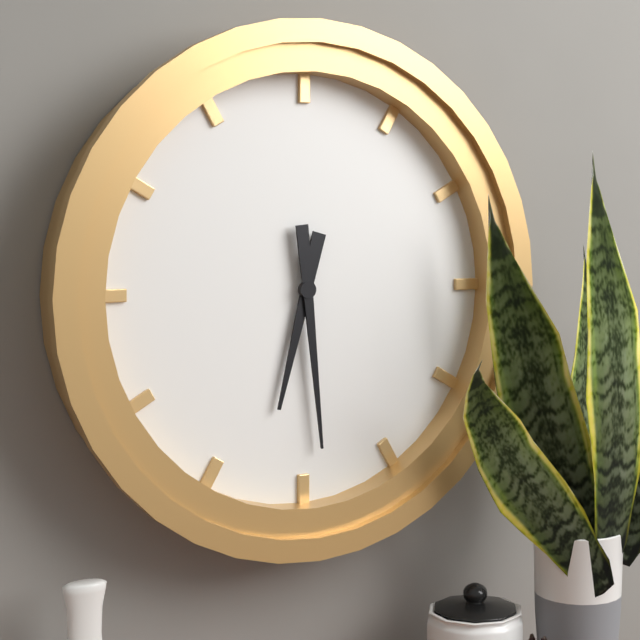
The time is {"hour": 6, "minute": 29}
